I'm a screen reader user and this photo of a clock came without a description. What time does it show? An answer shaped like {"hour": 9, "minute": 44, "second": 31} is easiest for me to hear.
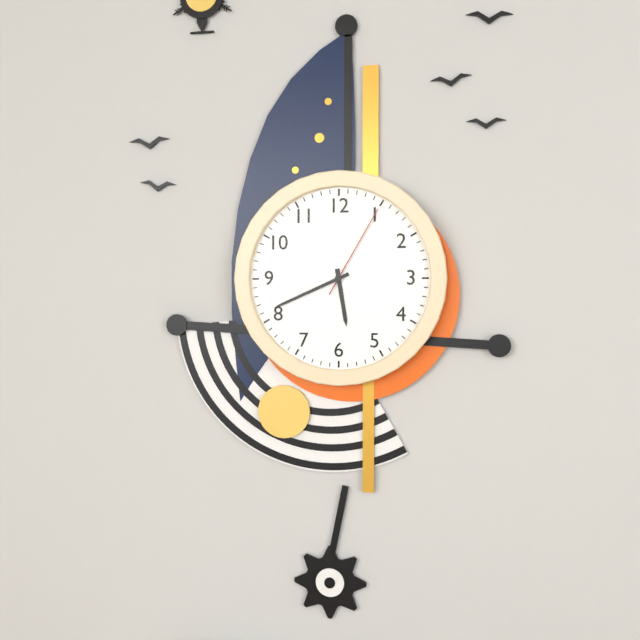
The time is {"hour": 5, "minute": 41, "second": 5}
